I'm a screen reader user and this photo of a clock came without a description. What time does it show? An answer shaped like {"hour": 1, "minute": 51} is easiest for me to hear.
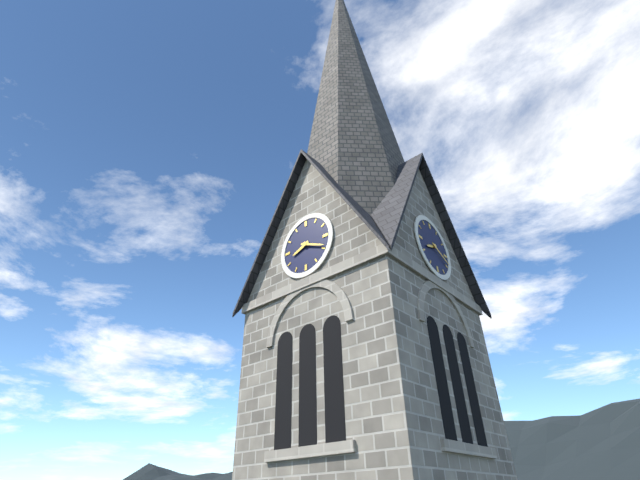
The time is {"hour": 8, "minute": 19}
